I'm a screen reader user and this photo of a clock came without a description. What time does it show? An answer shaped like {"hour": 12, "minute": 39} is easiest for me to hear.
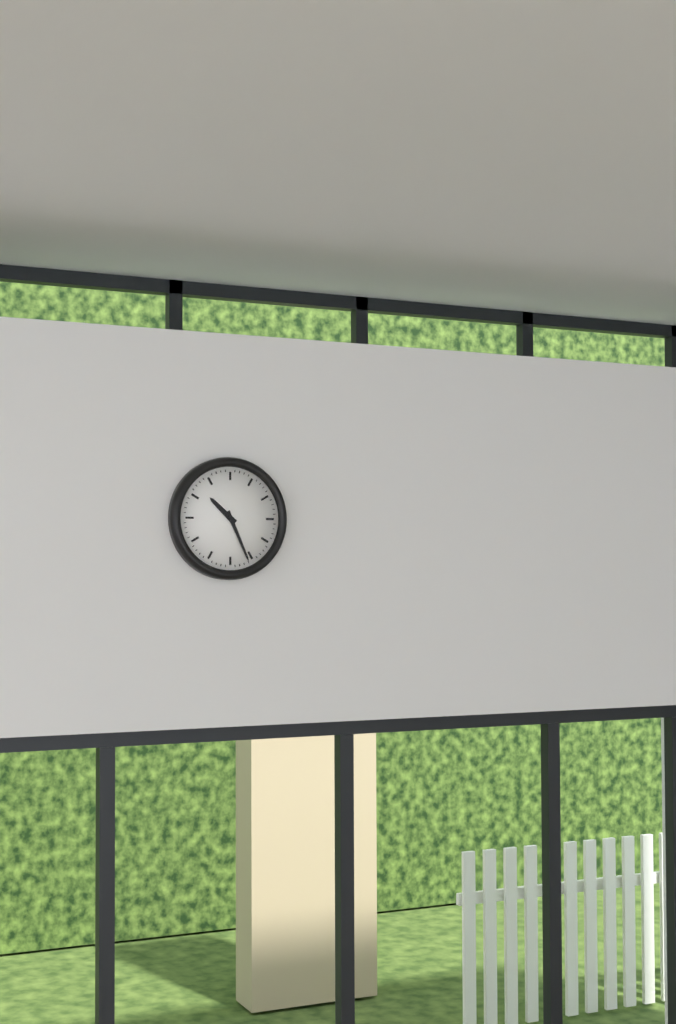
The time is {"hour": 10, "minute": 26}
